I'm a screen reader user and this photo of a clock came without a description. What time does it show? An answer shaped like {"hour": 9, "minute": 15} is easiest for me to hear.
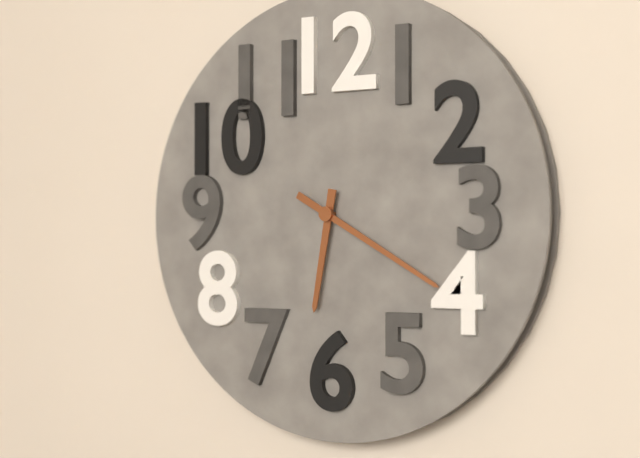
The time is {"hour": 6, "minute": 20}
